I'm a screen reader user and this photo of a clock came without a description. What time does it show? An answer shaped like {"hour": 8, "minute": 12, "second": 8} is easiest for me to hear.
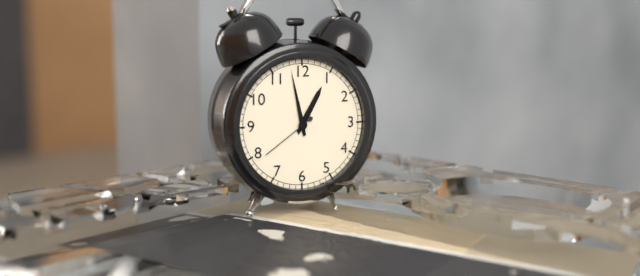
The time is {"hour": 12, "minute": 58, "second": 39}
